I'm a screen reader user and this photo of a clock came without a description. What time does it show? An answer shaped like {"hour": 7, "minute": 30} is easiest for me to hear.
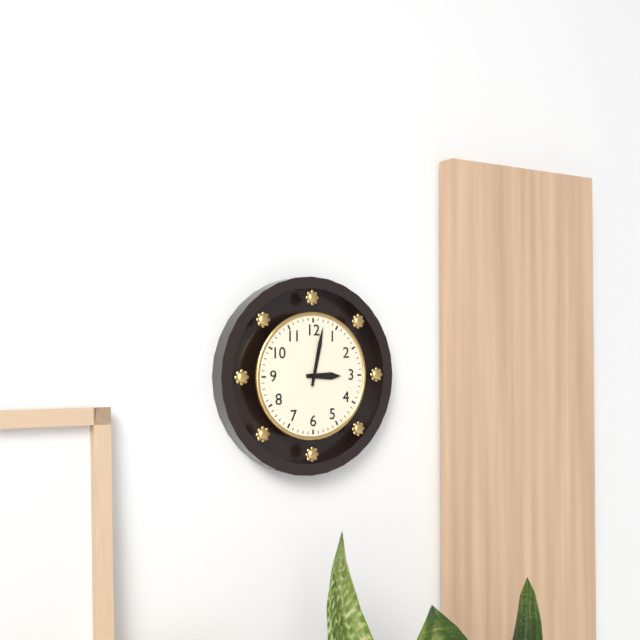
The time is {"hour": 3, "minute": 2}
